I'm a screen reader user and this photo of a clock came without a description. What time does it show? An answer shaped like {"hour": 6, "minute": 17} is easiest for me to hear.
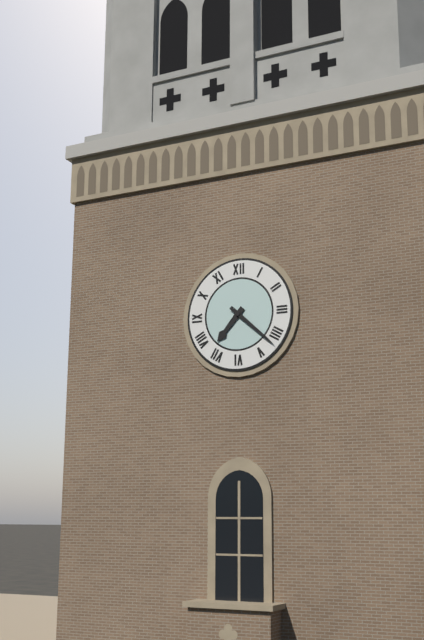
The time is {"hour": 7, "minute": 22}
